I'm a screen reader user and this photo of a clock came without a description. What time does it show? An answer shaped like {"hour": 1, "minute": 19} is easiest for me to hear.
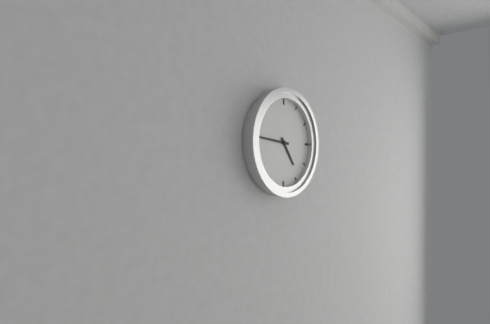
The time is {"hour": 4, "minute": 46}
